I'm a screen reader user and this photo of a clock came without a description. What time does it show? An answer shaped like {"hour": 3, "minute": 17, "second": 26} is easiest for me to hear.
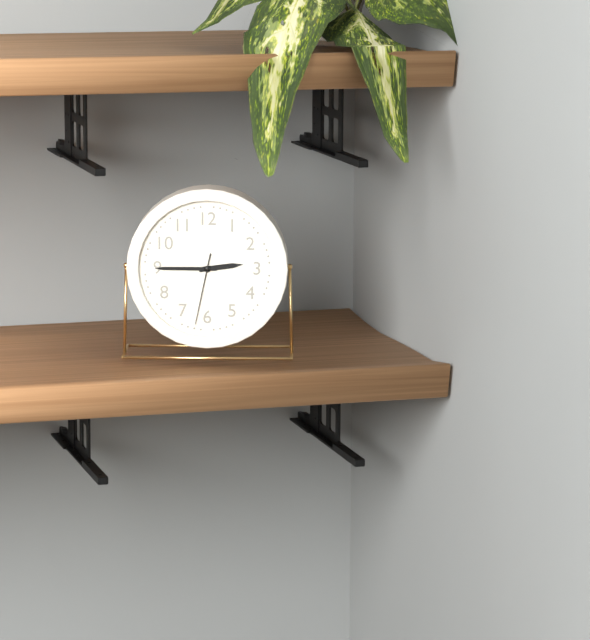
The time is {"hour": 2, "minute": 45, "second": 32}
